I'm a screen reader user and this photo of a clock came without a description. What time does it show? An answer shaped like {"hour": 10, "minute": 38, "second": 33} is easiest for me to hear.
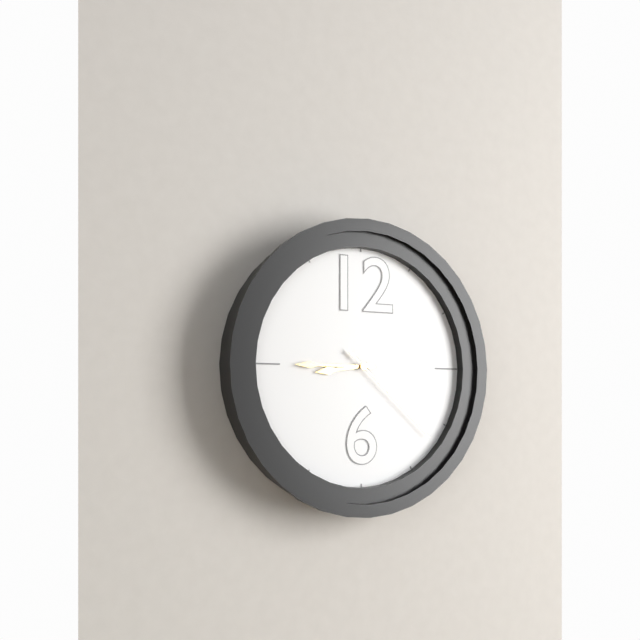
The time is {"hour": 8, "minute": 45, "second": 22}
